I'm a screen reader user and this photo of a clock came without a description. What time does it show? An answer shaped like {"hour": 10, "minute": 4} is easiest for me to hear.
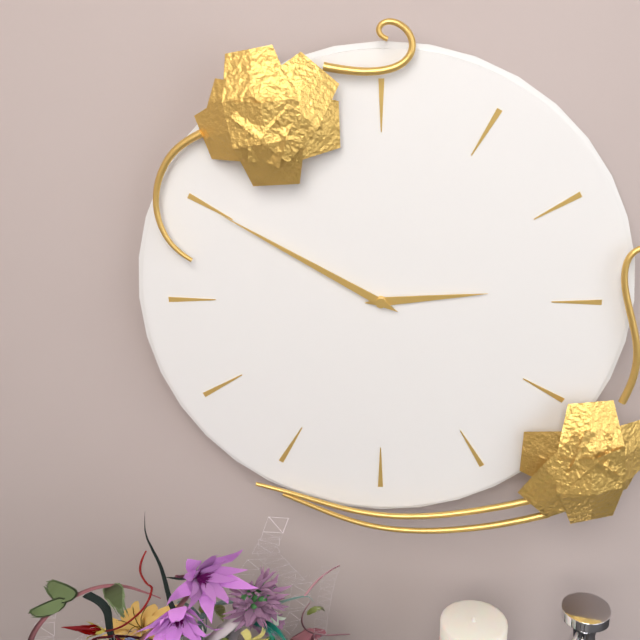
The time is {"hour": 2, "minute": 50}
